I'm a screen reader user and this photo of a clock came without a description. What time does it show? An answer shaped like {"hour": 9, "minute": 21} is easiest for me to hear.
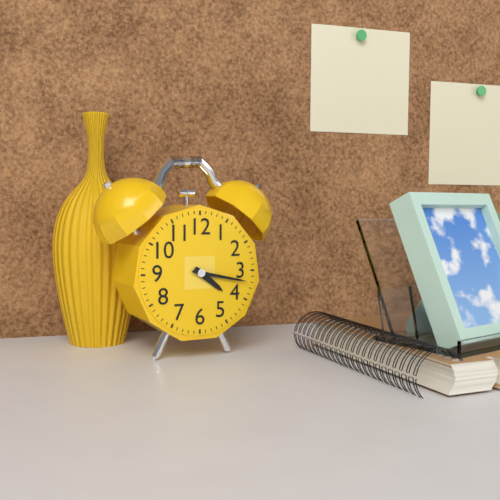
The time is {"hour": 4, "minute": 17}
